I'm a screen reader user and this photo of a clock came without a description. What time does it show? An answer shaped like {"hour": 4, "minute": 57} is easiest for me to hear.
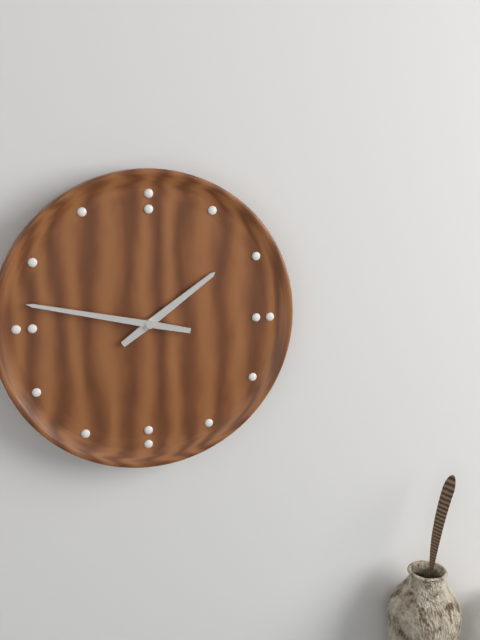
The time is {"hour": 1, "minute": 47}
